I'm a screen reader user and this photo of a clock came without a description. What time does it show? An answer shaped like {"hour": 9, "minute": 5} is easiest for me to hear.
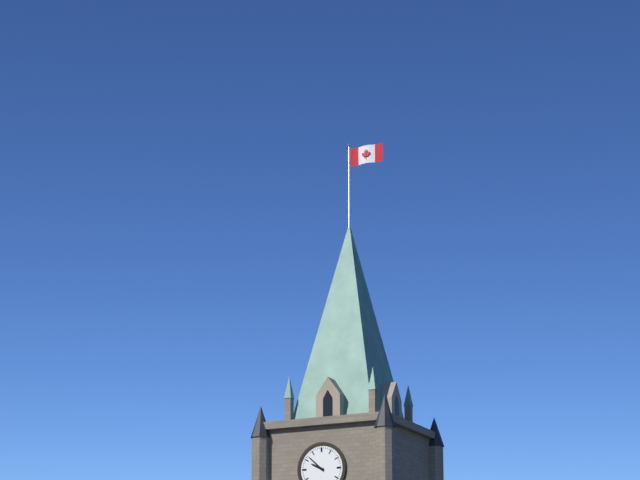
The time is {"hour": 9, "minute": 52}
